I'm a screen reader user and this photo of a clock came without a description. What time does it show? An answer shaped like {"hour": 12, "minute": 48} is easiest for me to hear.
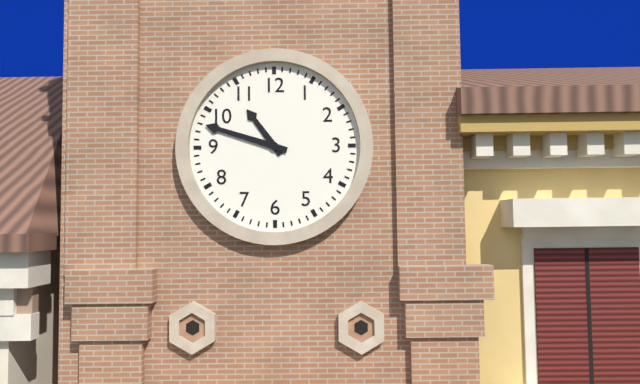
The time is {"hour": 10, "minute": 48}
